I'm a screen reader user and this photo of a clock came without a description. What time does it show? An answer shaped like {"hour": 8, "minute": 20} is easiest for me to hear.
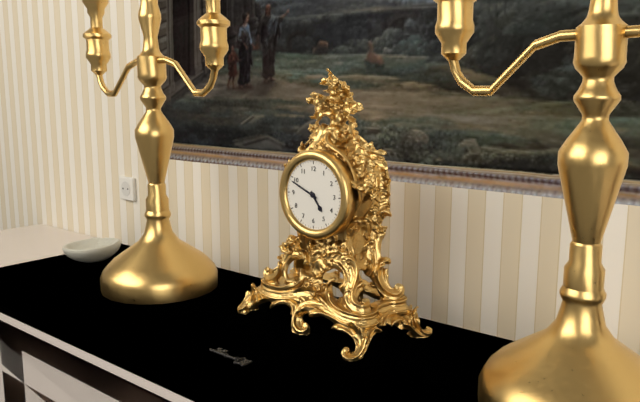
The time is {"hour": 4, "minute": 49}
